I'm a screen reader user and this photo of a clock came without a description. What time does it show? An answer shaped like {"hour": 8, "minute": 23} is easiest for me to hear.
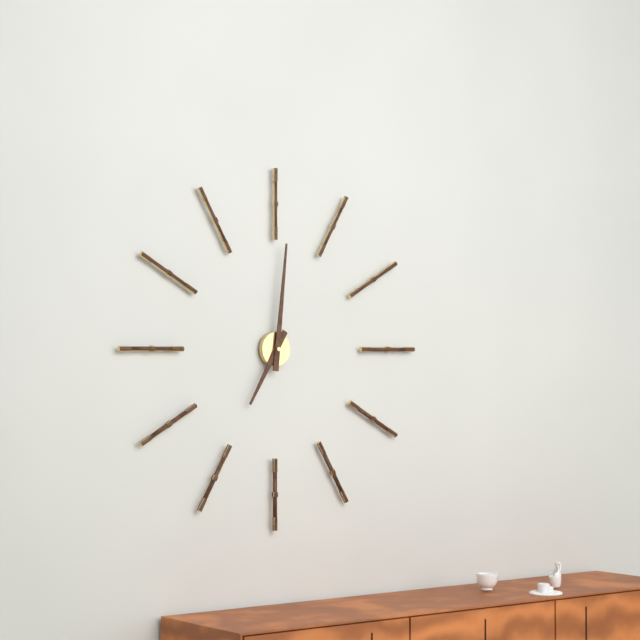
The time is {"hour": 7, "minute": 1}
